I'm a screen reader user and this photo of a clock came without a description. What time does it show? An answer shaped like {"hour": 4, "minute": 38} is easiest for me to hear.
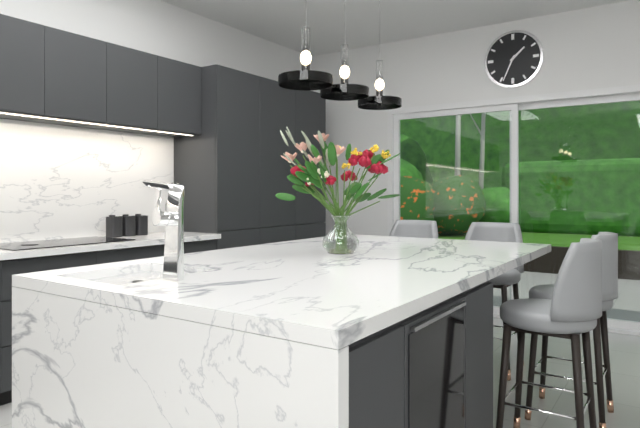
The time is {"hour": 1, "minute": 34}
